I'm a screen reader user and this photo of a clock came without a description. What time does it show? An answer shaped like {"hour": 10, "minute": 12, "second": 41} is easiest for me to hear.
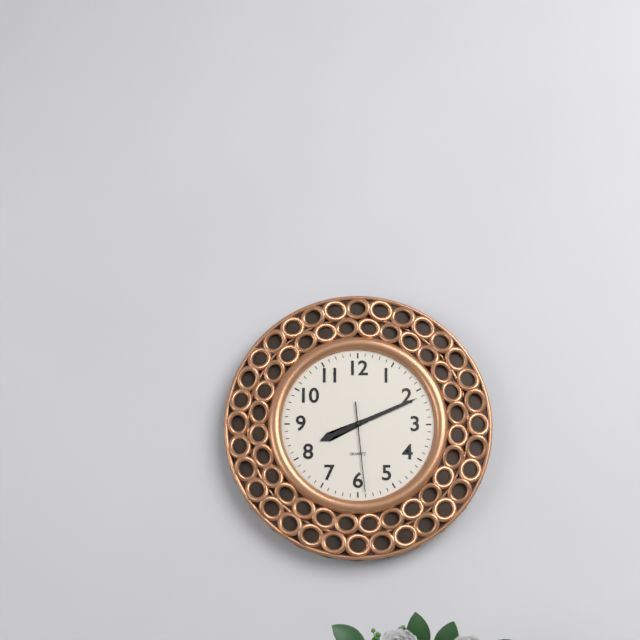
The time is {"hour": 8, "minute": 11, "second": 29}
